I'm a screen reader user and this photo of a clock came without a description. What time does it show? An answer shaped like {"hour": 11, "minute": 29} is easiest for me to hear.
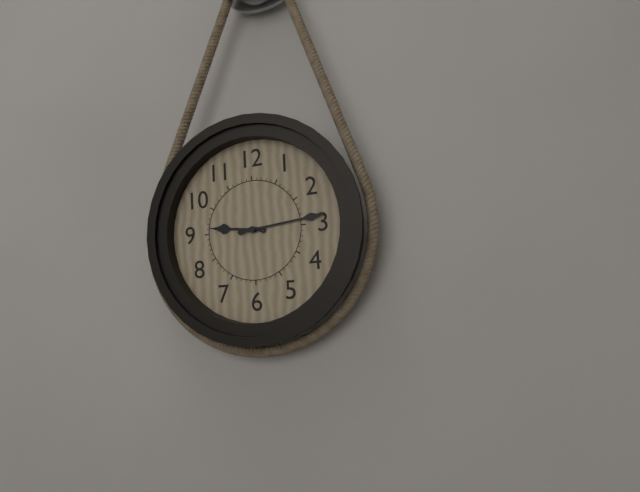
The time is {"hour": 9, "minute": 14}
